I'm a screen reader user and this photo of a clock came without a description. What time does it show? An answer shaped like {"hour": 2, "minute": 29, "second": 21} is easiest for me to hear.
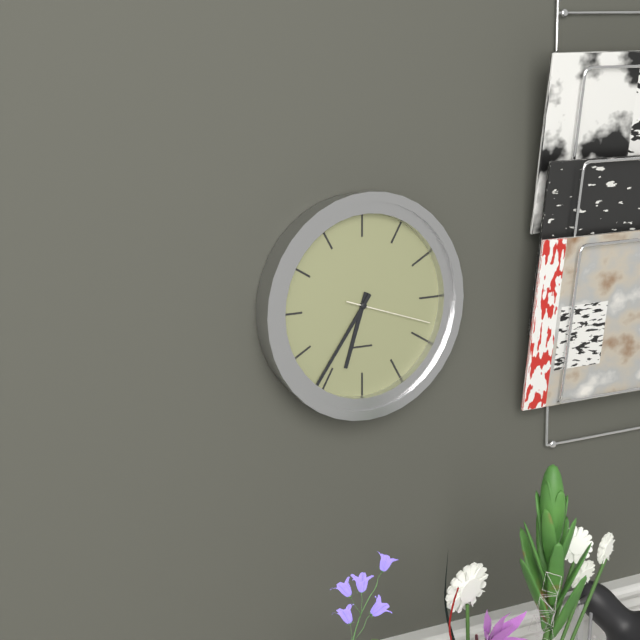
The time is {"hour": 6, "minute": 36, "second": 18}
